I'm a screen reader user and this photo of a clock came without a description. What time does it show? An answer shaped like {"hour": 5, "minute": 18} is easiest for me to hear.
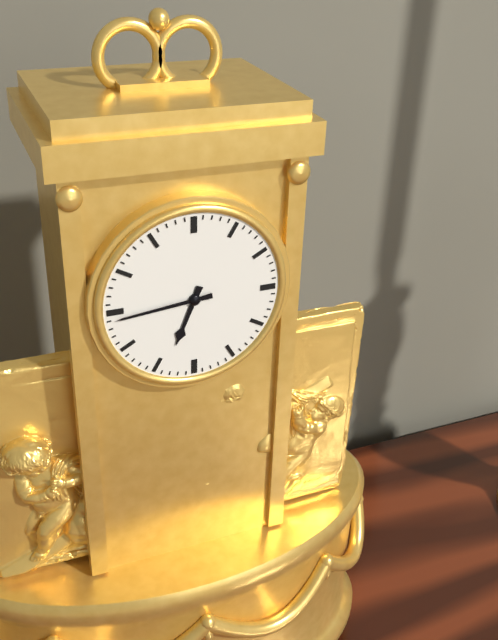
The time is {"hour": 6, "minute": 44}
